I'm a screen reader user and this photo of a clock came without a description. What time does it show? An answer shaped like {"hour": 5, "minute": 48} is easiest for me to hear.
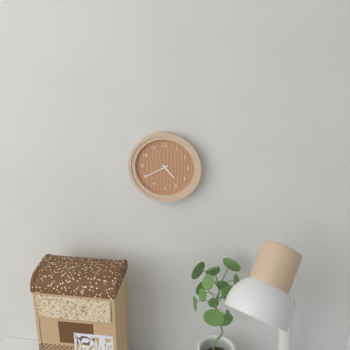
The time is {"hour": 4, "minute": 40}
